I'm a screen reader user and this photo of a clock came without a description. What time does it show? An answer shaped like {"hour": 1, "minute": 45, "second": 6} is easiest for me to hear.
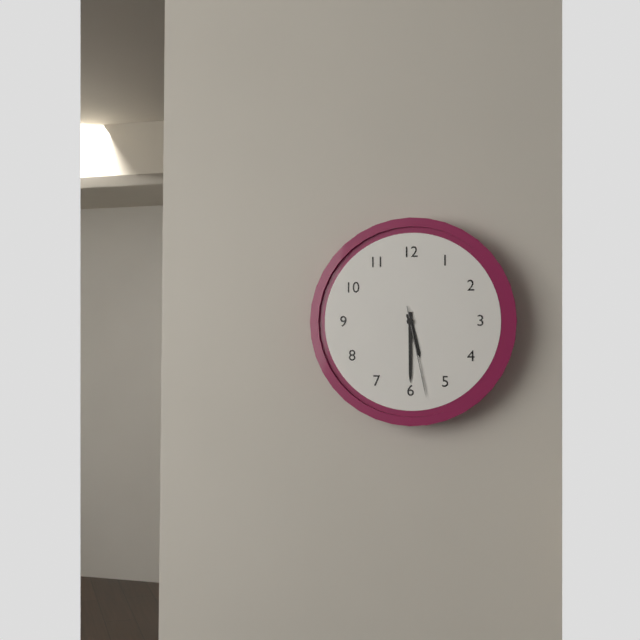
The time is {"hour": 5, "minute": 30, "second": 28}
